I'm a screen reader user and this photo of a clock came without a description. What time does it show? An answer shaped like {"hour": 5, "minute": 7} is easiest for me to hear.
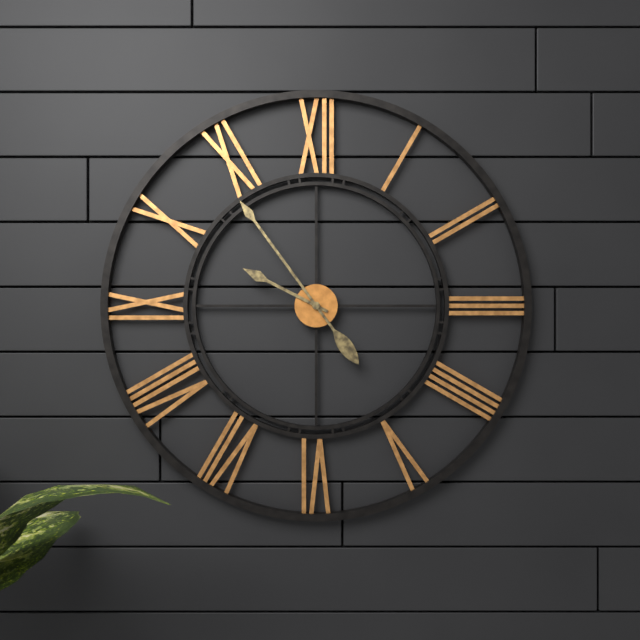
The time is {"hour": 9, "minute": 54}
